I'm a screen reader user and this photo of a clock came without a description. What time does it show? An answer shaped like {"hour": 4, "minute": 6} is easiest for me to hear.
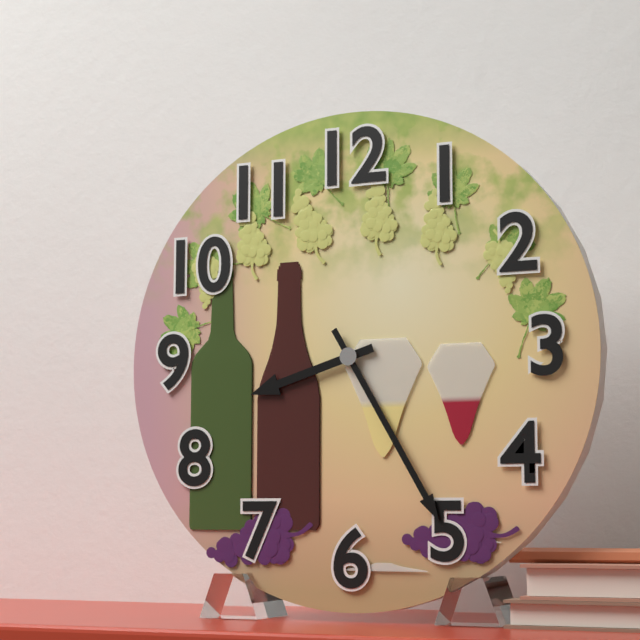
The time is {"hour": 8, "minute": 25}
